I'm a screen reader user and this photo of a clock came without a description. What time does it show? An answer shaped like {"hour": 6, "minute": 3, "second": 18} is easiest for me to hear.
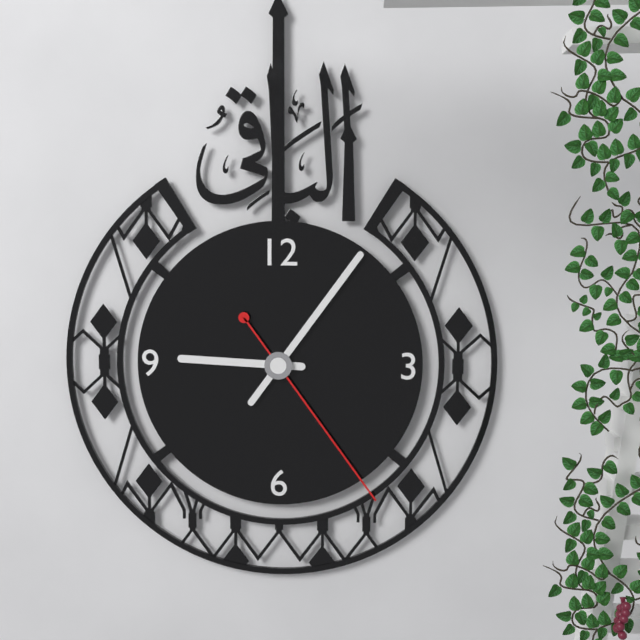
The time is {"hour": 9, "minute": 6, "second": 24}
